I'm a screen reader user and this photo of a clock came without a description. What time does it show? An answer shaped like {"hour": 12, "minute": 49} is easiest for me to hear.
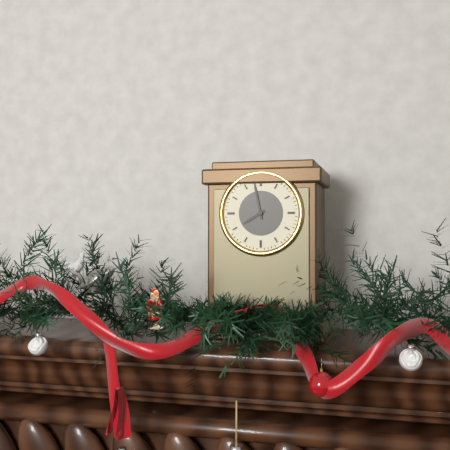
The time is {"hour": 7, "minute": 58}
